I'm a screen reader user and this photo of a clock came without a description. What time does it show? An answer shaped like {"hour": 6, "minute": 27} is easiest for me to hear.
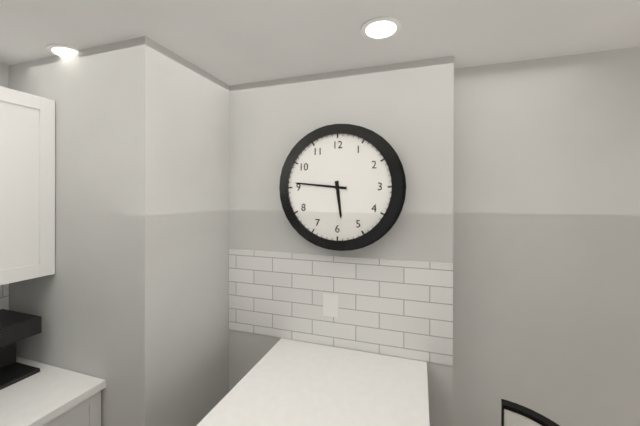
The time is {"hour": 5, "minute": 46}
